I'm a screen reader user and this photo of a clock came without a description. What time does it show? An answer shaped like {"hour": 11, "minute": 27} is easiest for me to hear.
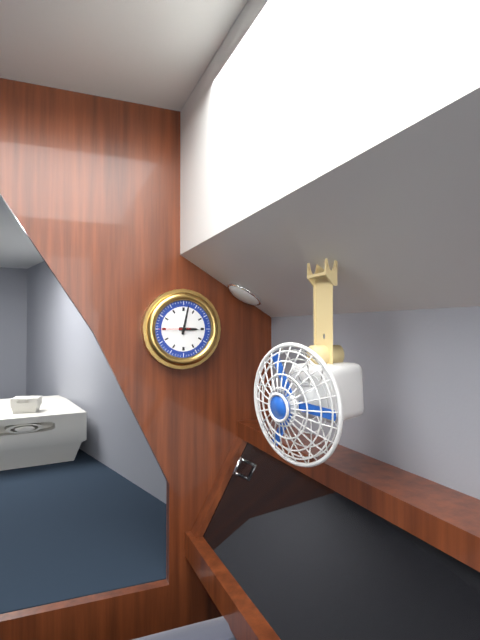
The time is {"hour": 3, "minute": 2}
